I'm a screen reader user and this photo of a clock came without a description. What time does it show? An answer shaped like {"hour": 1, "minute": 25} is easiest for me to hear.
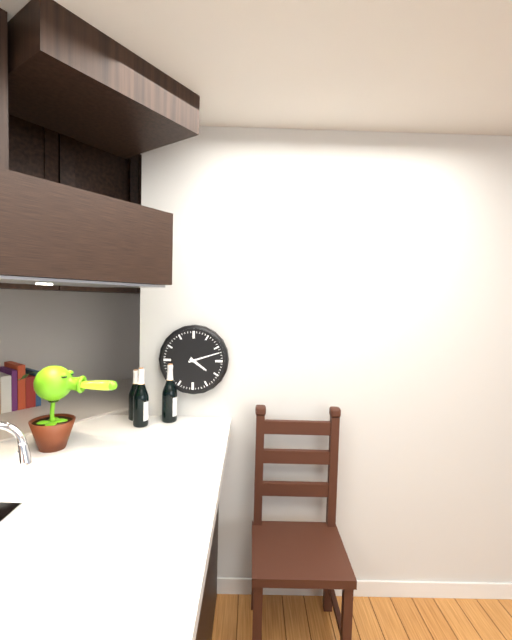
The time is {"hour": 4, "minute": 12}
